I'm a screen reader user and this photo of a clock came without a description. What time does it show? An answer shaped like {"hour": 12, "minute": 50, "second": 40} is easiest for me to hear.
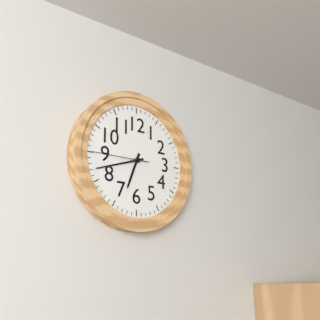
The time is {"hour": 6, "minute": 42, "second": 45}
